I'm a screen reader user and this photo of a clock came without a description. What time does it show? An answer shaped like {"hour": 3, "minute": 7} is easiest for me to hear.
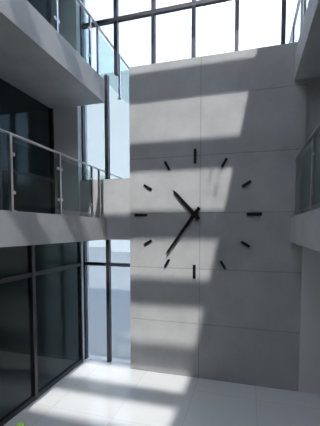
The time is {"hour": 10, "minute": 36}
